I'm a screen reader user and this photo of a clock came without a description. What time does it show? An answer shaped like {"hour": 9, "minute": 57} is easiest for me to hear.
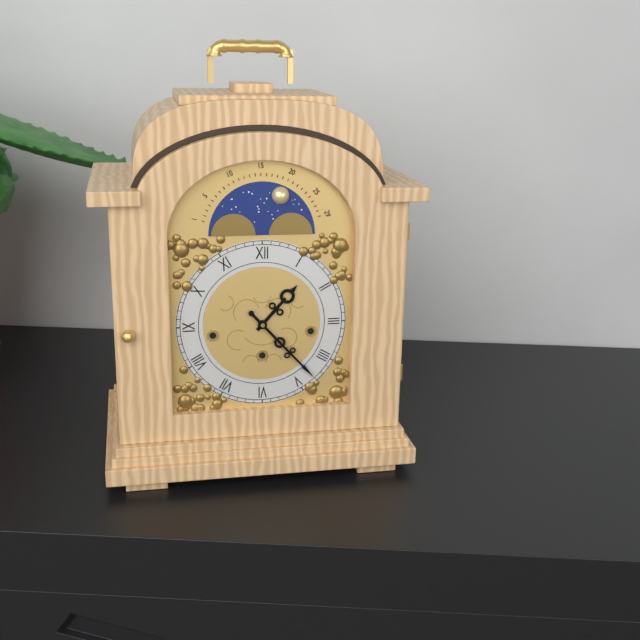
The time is {"hour": 1, "minute": 23}
